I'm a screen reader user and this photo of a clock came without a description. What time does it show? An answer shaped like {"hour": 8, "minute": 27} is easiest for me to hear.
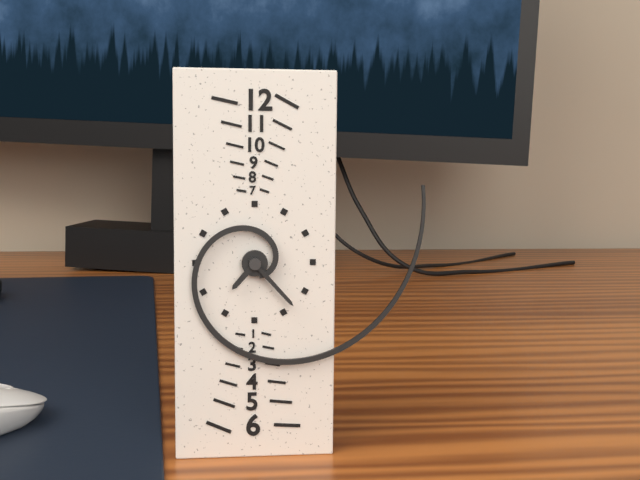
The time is {"hour": 7, "minute": 23}
